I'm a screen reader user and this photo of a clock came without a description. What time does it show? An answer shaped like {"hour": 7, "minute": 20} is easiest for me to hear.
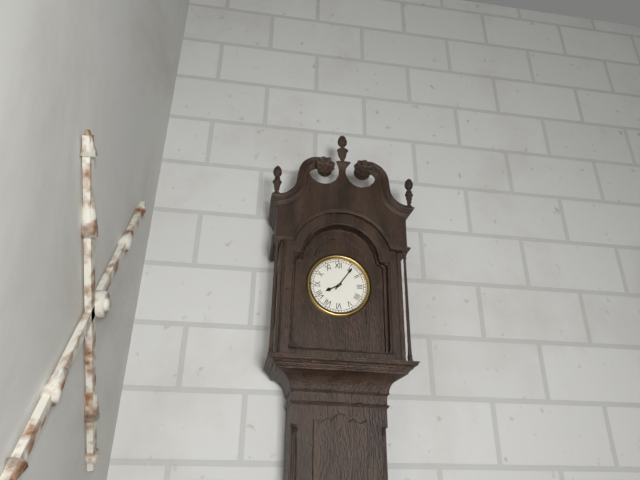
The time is {"hour": 8, "minute": 6}
